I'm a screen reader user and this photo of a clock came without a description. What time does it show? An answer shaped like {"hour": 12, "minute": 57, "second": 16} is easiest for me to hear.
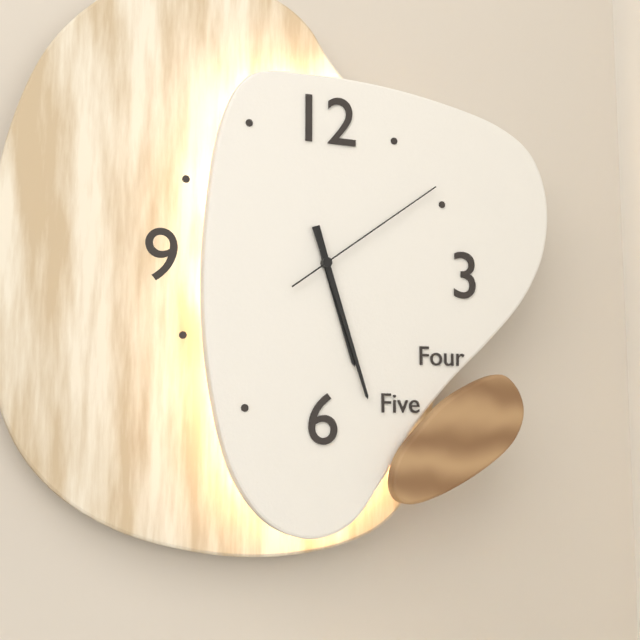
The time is {"hour": 5, "minute": 27, "second": 9}
